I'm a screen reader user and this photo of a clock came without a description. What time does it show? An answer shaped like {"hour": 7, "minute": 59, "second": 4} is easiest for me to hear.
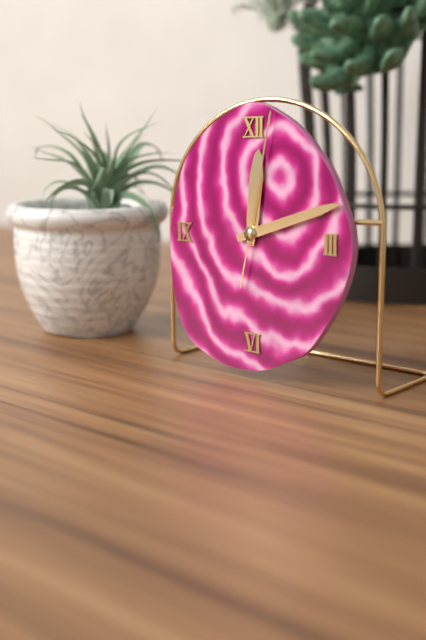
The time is {"hour": 12, "minute": 12, "second": 2}
